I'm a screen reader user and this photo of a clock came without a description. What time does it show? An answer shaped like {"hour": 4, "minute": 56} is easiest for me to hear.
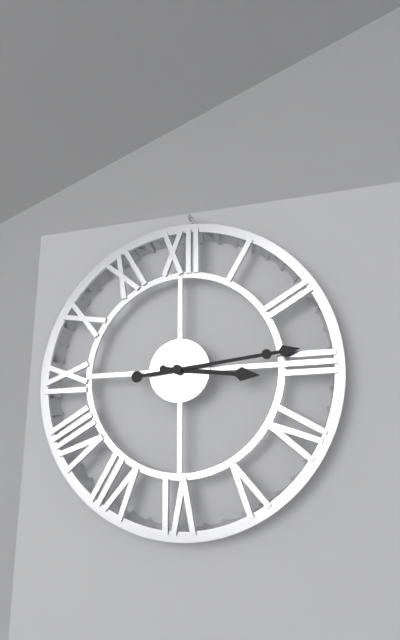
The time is {"hour": 3, "minute": 14}
